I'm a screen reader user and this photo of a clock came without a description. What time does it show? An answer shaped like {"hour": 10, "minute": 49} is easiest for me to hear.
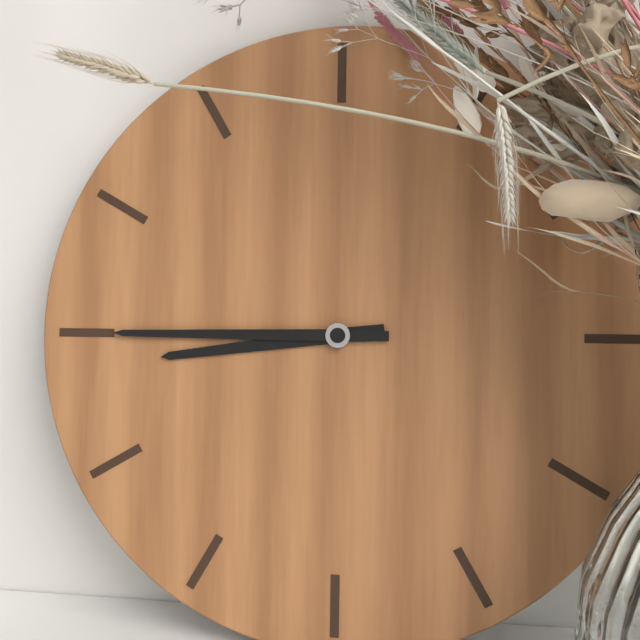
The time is {"hour": 8, "minute": 45}
